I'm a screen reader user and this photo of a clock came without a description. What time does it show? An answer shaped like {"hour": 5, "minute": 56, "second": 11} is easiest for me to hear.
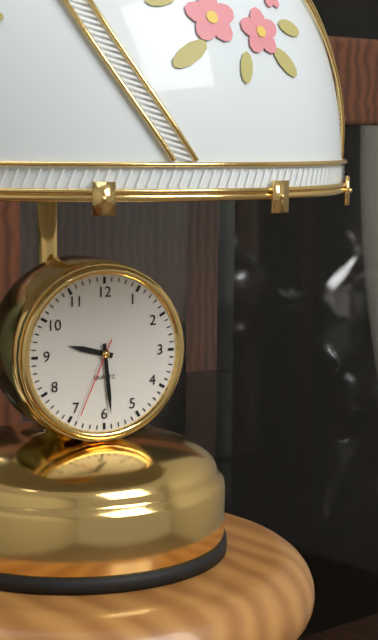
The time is {"hour": 9, "minute": 29, "second": 34}
